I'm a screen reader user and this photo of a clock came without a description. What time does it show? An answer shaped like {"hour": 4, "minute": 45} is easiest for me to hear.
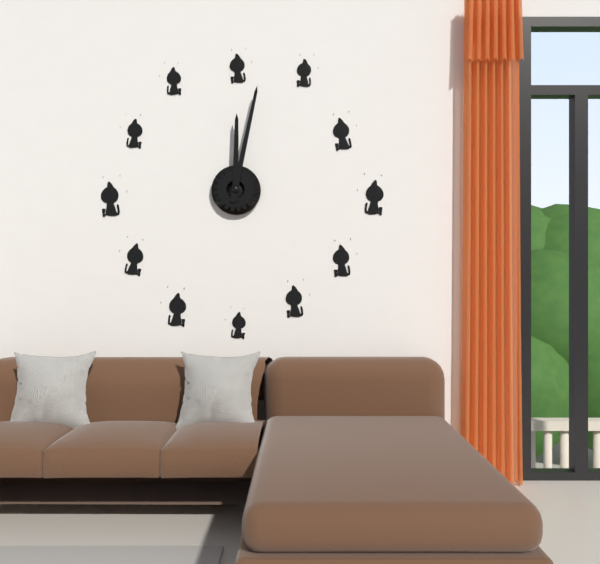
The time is {"hour": 12, "minute": 2}
